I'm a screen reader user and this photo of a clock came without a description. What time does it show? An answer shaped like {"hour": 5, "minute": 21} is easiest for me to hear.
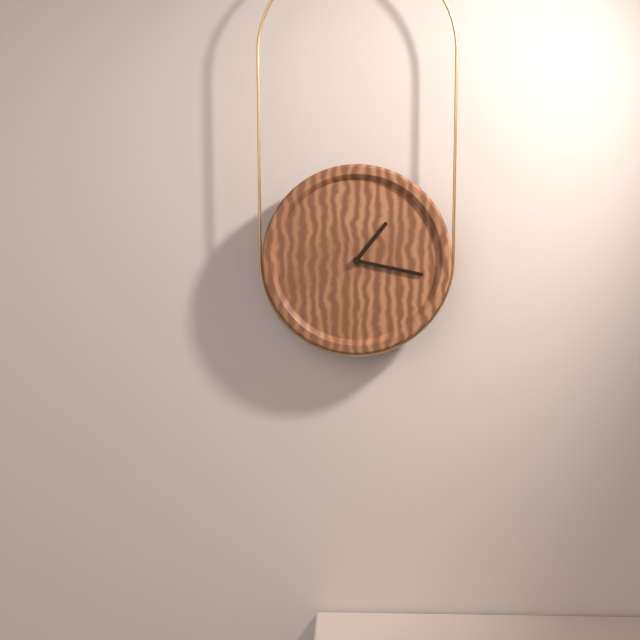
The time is {"hour": 1, "minute": 17}
